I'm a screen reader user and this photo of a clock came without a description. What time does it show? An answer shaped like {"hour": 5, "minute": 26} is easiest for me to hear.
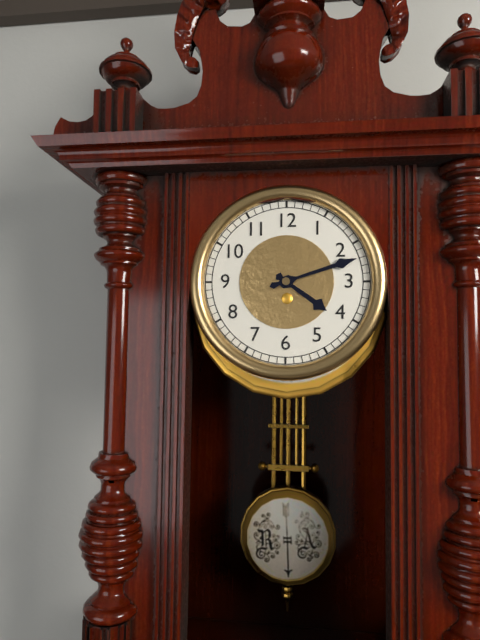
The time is {"hour": 4, "minute": 12}
